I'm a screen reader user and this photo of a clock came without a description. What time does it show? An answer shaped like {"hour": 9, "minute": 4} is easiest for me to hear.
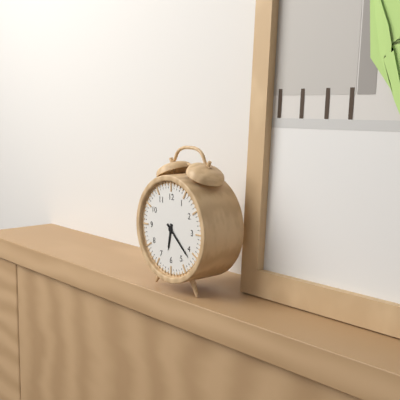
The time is {"hour": 6, "minute": 22}
